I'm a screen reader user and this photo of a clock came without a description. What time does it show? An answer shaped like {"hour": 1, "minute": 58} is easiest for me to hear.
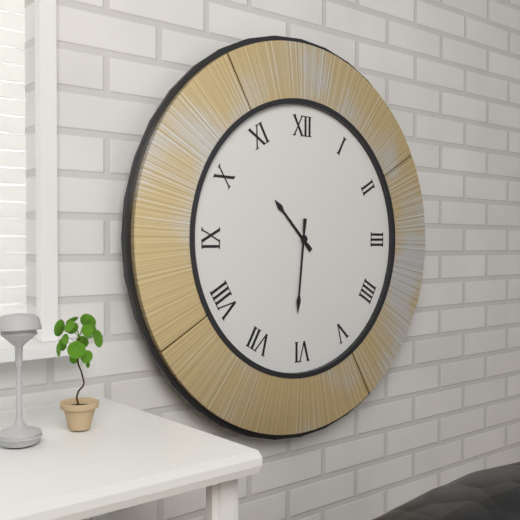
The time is {"hour": 10, "minute": 31}
